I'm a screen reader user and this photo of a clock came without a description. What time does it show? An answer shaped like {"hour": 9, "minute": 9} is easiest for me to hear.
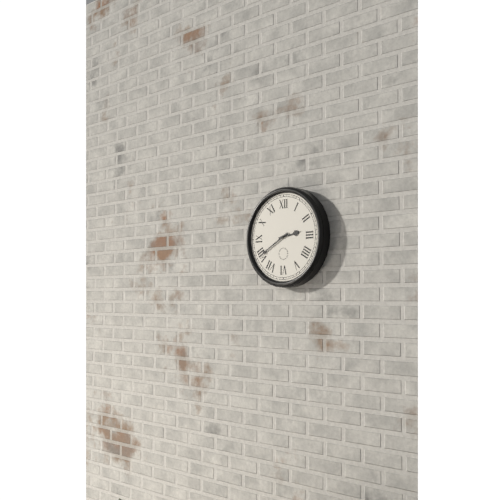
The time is {"hour": 2, "minute": 40}
